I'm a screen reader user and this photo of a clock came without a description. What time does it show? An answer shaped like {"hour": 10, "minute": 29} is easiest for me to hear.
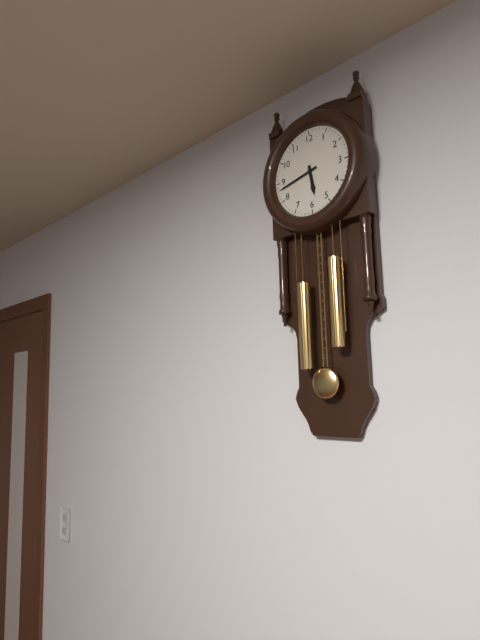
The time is {"hour": 5, "minute": 43}
